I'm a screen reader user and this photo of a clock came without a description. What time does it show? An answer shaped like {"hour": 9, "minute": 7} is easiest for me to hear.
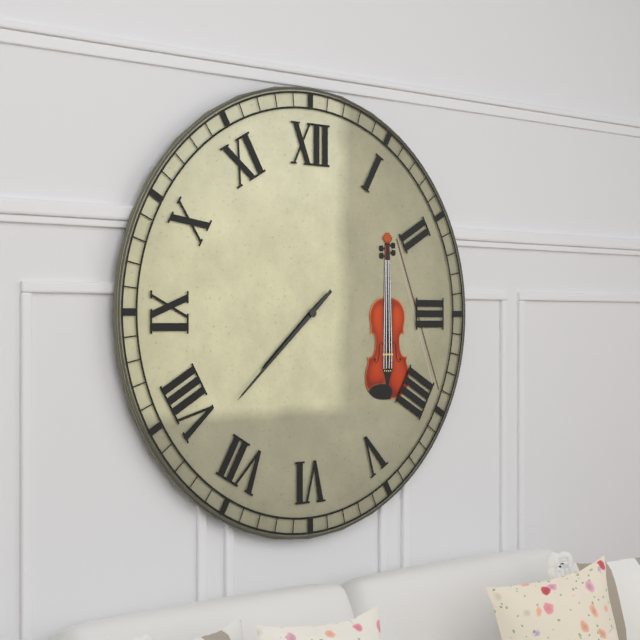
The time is {"hour": 7, "minute": 38}
